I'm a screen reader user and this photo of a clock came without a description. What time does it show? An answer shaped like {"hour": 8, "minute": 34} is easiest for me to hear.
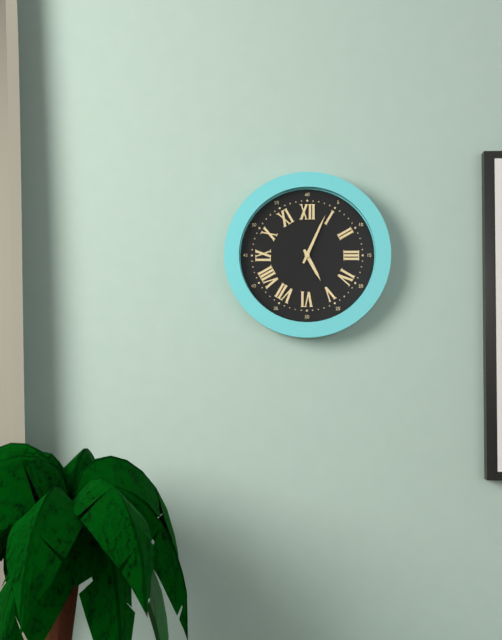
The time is {"hour": 5, "minute": 4}
